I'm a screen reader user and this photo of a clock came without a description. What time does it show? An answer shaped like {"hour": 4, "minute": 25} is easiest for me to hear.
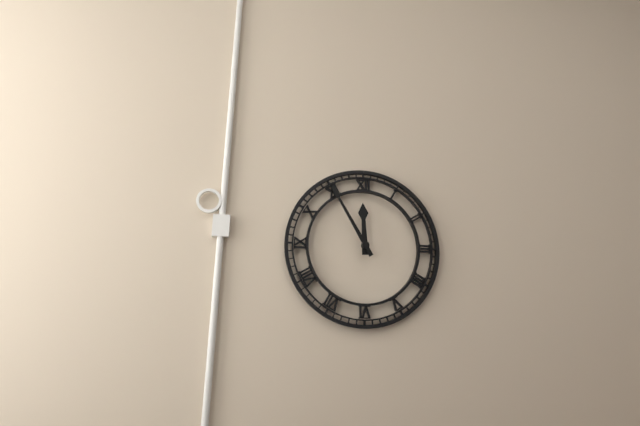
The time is {"hour": 11, "minute": 55}
